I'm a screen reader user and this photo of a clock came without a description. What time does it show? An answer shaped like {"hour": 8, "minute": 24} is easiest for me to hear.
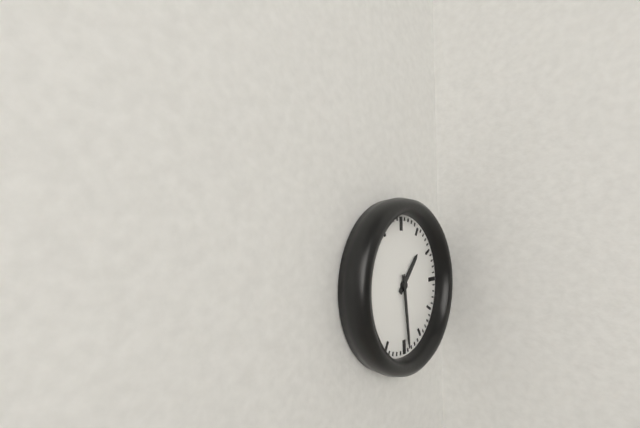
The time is {"hour": 1, "minute": 29}
